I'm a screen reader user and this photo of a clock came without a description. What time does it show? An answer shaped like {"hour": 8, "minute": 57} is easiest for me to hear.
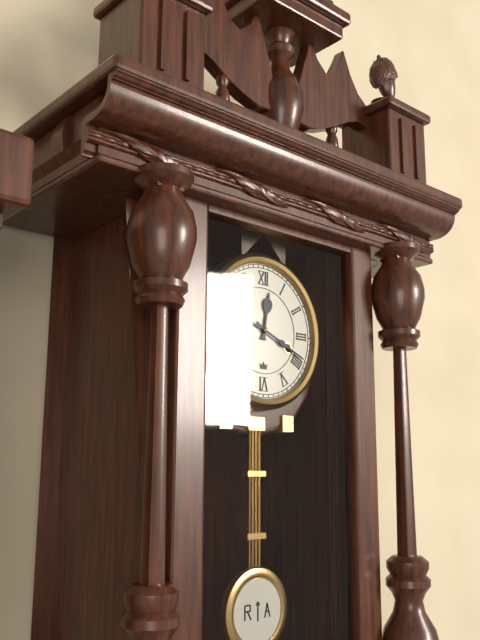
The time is {"hour": 12, "minute": 19}
